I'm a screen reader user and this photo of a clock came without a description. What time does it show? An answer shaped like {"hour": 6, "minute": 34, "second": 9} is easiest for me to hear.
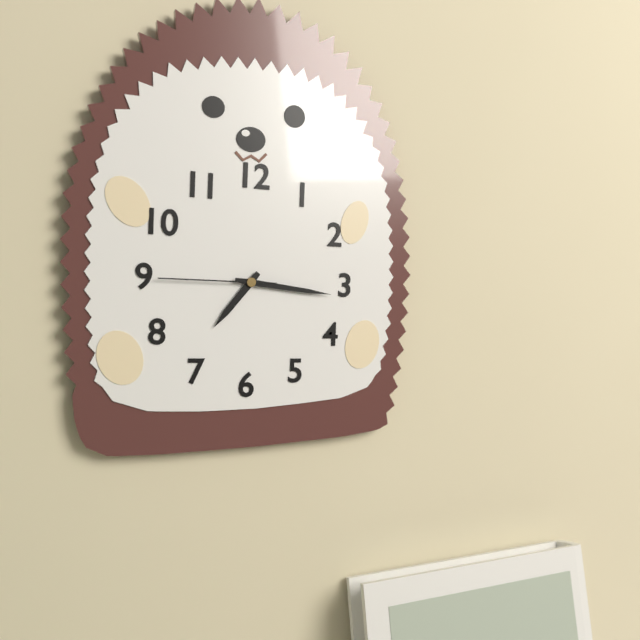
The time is {"hour": 7, "minute": 16, "second": 45}
